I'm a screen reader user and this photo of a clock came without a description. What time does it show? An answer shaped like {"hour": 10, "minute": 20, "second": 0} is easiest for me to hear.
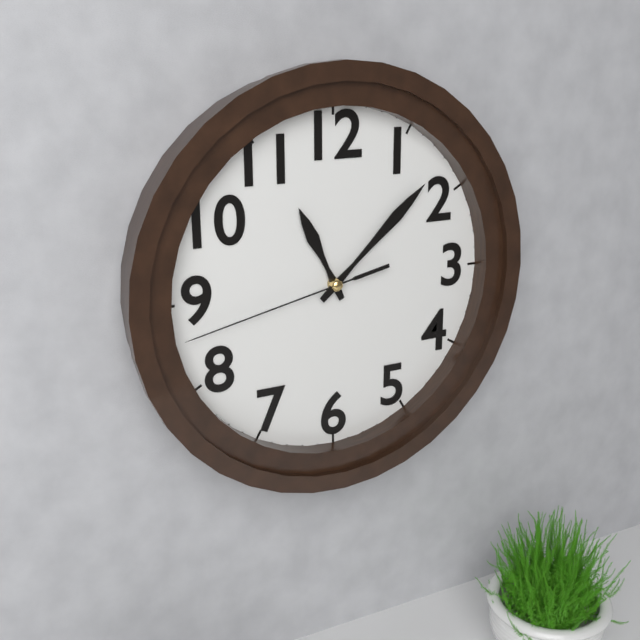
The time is {"hour": 11, "minute": 8, "second": 43}
